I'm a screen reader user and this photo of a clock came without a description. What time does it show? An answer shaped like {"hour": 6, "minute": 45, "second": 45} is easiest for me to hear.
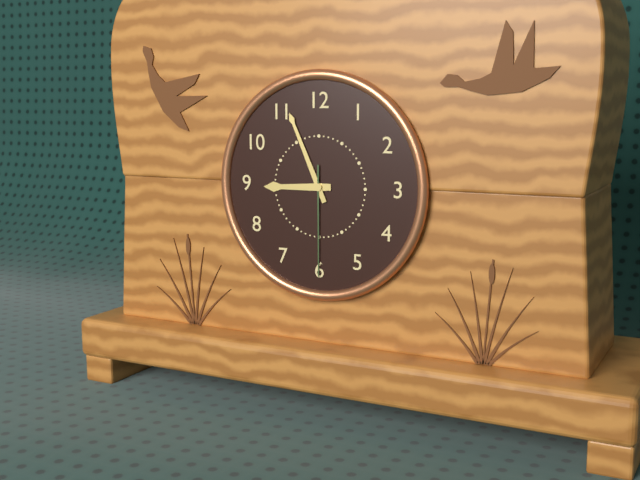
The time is {"hour": 8, "minute": 56, "second": 30}
